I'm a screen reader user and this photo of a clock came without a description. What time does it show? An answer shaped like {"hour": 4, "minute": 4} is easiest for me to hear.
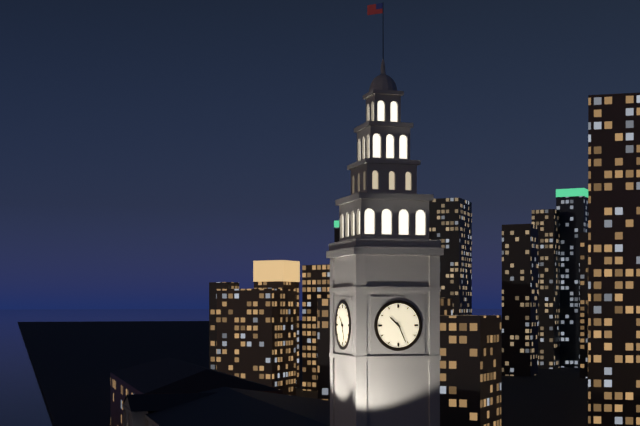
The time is {"hour": 10, "minute": 26}
